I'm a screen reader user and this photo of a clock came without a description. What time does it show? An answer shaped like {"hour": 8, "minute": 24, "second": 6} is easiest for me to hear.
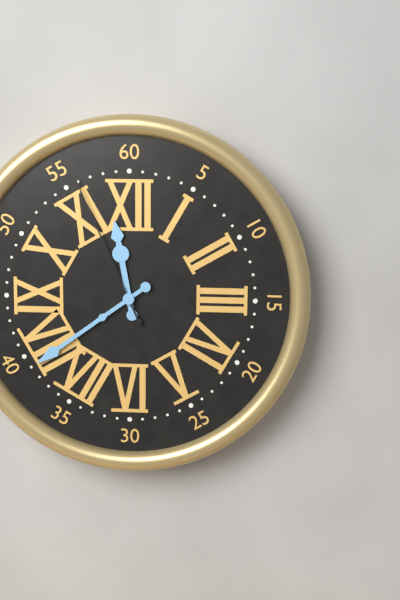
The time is {"hour": 11, "minute": 39, "second": 56}
